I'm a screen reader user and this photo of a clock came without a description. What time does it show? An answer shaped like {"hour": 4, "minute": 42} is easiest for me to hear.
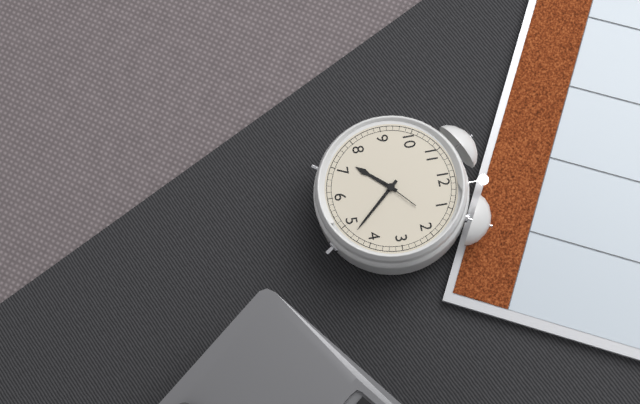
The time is {"hour": 7, "minute": 23}
